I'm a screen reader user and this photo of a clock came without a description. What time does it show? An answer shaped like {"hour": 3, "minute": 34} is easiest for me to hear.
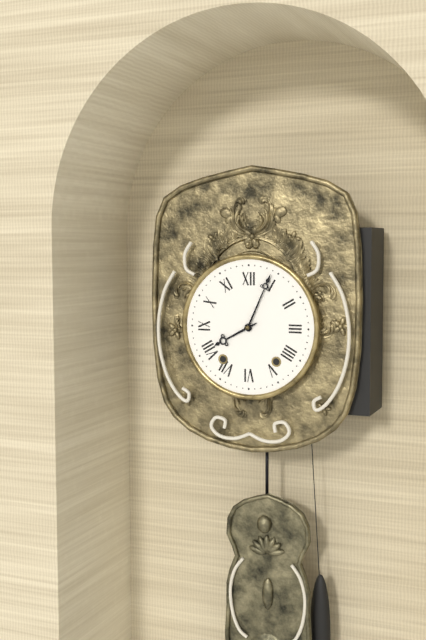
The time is {"hour": 8, "minute": 4}
